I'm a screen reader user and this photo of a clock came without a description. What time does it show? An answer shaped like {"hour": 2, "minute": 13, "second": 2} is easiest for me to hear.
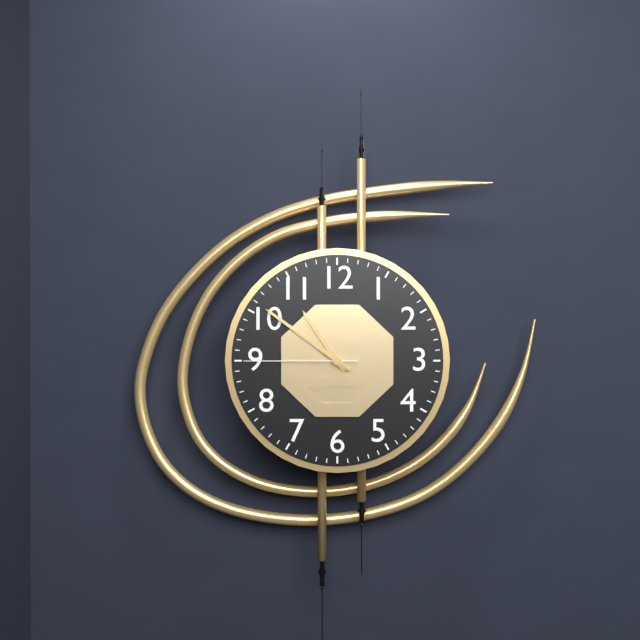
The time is {"hour": 10, "minute": 51, "second": 45}
